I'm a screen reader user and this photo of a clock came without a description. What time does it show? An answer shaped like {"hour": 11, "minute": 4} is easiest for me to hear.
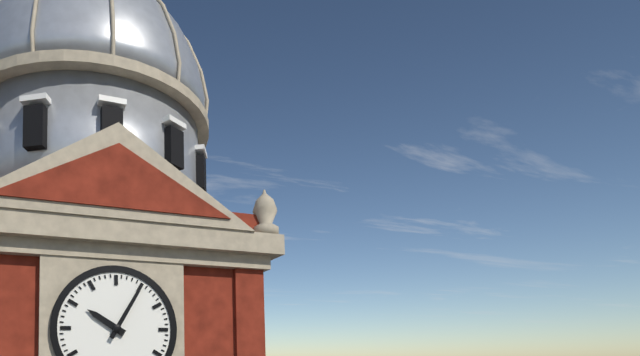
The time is {"hour": 10, "minute": 5}
